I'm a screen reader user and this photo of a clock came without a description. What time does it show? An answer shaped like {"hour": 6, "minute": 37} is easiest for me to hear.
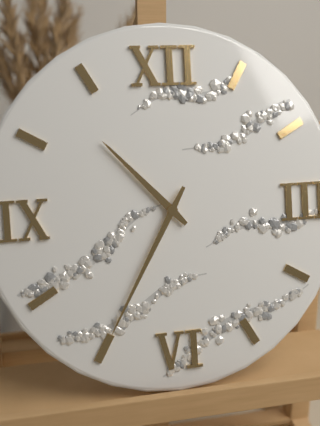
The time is {"hour": 10, "minute": 35}
